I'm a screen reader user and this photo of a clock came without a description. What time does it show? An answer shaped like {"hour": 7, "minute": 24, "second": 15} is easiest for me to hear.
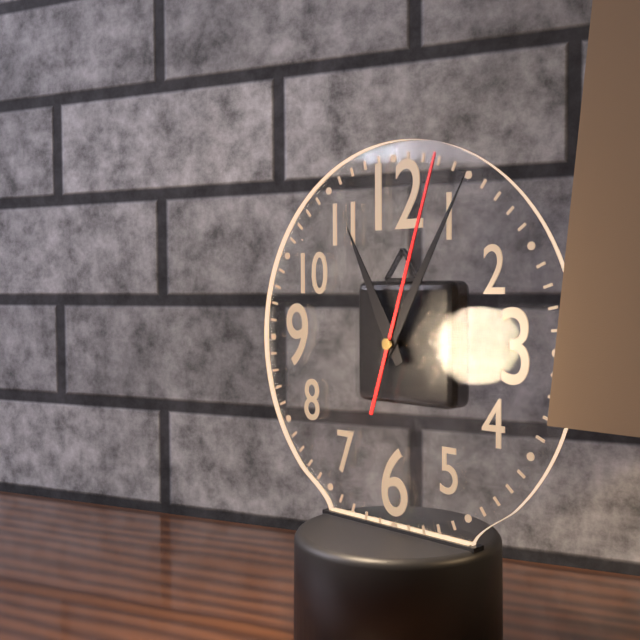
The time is {"hour": 11, "minute": 5, "second": 3}
